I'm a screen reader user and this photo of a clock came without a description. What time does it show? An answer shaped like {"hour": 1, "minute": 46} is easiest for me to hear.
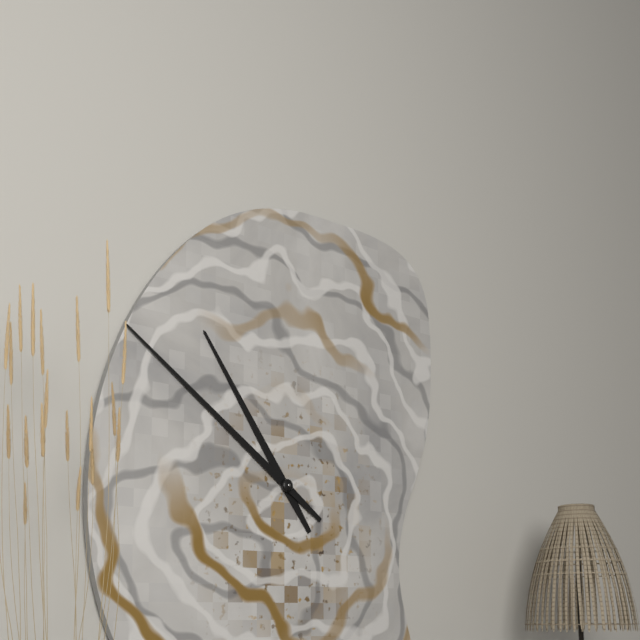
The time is {"hour": 10, "minute": 51}
